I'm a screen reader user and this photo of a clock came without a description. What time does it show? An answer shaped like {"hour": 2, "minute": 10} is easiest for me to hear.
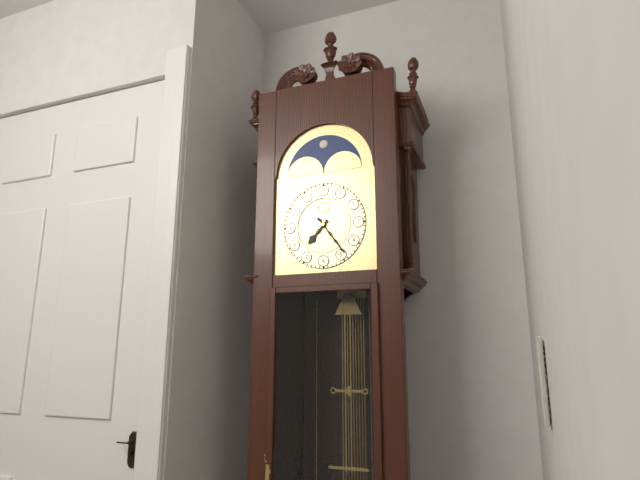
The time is {"hour": 7, "minute": 24}
